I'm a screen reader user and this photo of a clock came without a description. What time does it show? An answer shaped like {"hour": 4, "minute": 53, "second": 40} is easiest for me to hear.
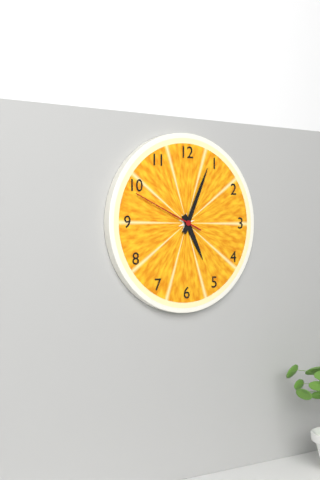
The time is {"hour": 5, "minute": 4, "second": 49}
